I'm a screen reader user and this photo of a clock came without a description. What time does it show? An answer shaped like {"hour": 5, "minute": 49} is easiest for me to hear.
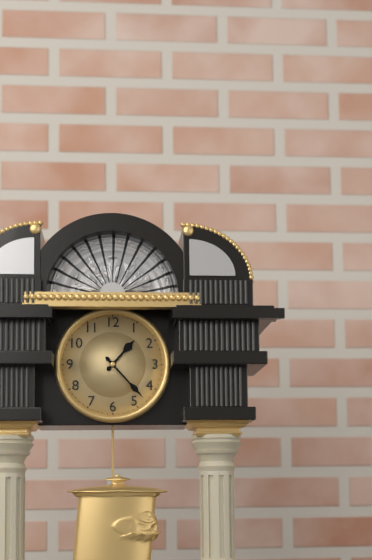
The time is {"hour": 1, "minute": 23}
